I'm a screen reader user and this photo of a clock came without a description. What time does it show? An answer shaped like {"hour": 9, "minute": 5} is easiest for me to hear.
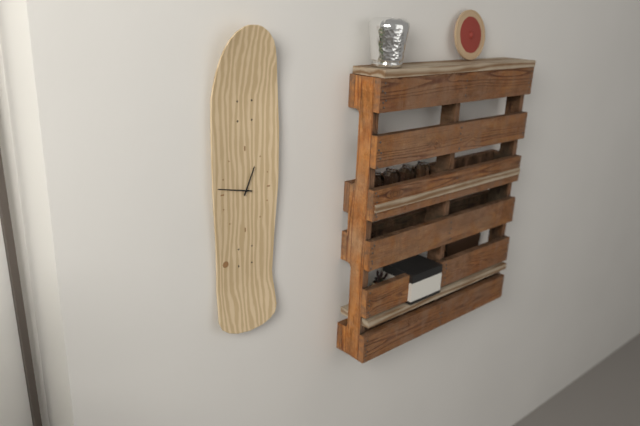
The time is {"hour": 12, "minute": 47}
